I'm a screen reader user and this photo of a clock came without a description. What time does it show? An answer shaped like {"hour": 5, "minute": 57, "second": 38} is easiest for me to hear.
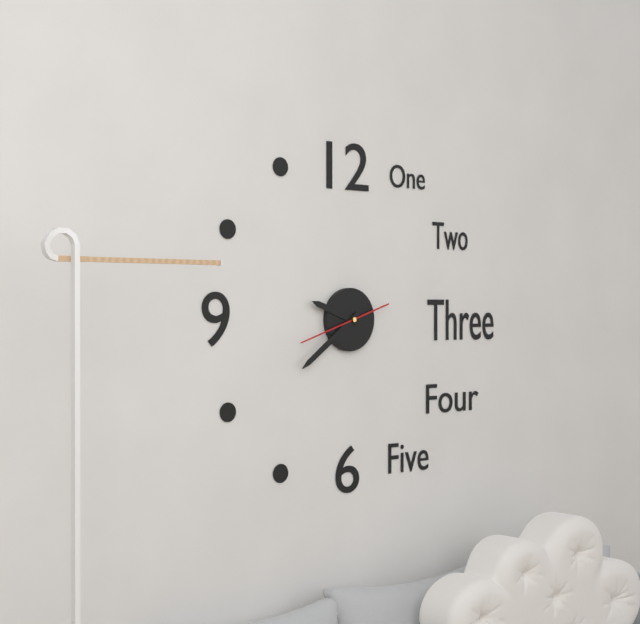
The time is {"hour": 9, "minute": 39, "second": 42}
